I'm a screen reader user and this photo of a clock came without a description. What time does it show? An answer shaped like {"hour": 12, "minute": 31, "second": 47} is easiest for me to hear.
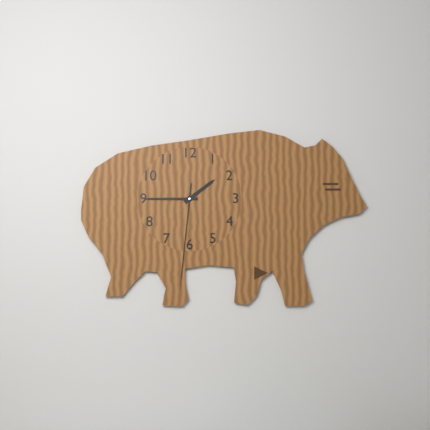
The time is {"hour": 1, "minute": 45, "second": 31}
